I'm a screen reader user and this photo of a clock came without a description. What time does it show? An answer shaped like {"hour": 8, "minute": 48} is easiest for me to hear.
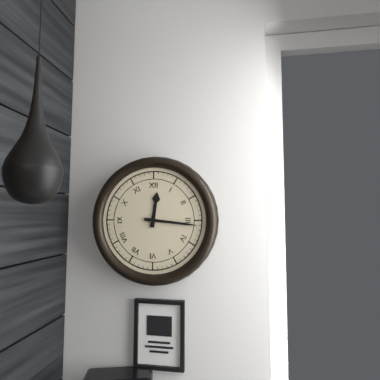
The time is {"hour": 12, "minute": 16}
